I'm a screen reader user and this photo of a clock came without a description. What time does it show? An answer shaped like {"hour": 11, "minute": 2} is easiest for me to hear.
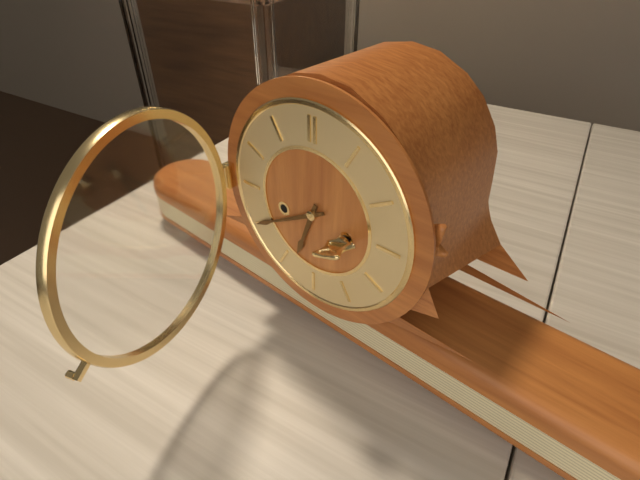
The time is {"hour": 6, "minute": 40}
